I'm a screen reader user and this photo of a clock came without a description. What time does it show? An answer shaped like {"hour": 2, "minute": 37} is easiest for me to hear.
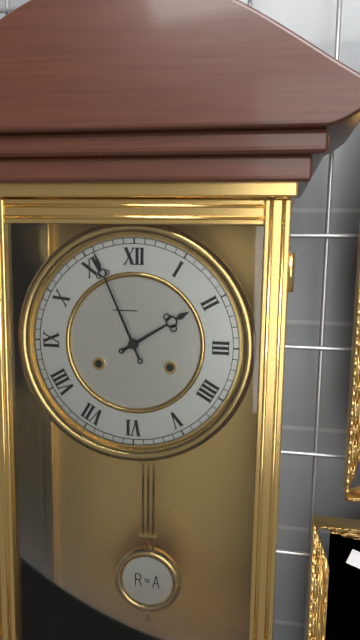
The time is {"hour": 1, "minute": 56}
